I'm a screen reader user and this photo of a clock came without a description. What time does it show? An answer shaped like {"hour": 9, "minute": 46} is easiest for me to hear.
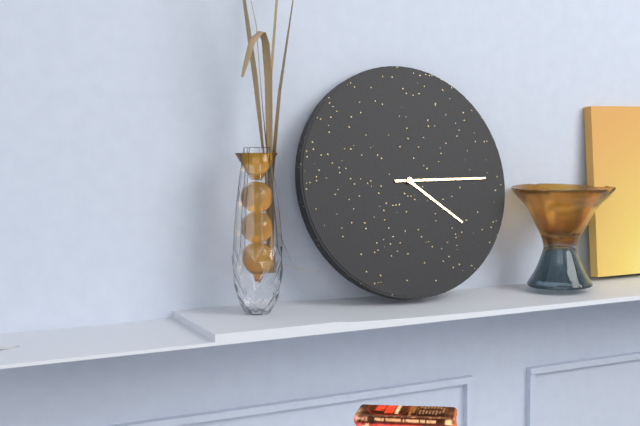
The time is {"hour": 4, "minute": 15}
